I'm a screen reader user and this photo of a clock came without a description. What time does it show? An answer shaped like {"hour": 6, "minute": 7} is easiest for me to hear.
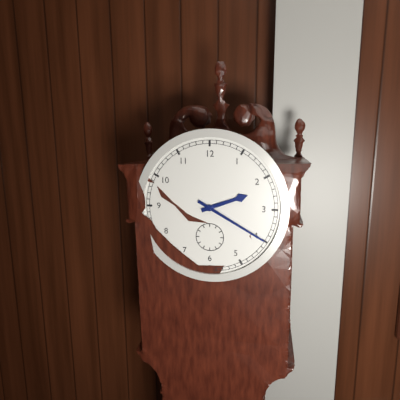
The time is {"hour": 2, "minute": 20}
